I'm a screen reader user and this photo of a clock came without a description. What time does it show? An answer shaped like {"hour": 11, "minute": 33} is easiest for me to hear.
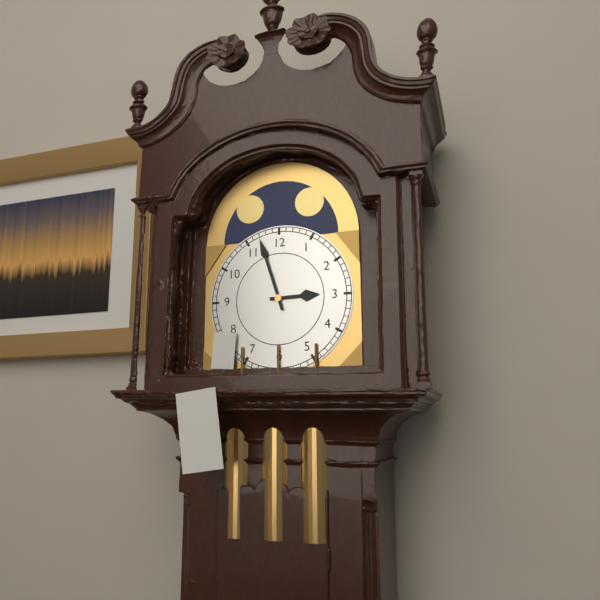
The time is {"hour": 2, "minute": 57}
